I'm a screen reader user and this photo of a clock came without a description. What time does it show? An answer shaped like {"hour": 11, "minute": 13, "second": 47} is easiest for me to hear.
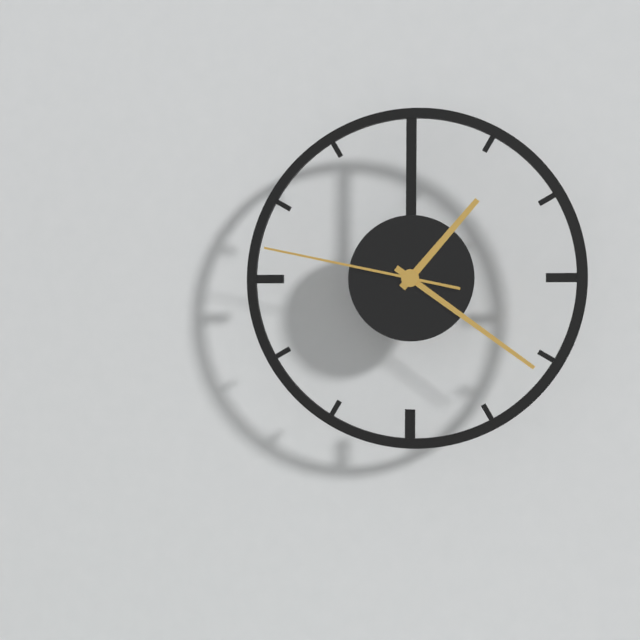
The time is {"hour": 1, "minute": 21, "second": 47}
